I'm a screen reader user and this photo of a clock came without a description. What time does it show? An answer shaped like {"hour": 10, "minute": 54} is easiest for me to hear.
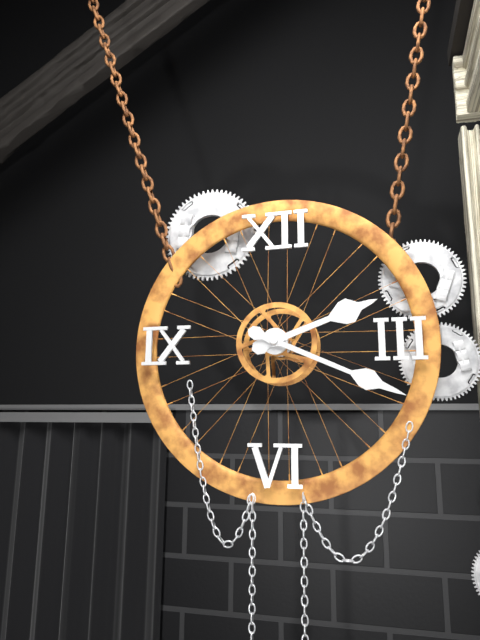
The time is {"hour": 2, "minute": 19}
